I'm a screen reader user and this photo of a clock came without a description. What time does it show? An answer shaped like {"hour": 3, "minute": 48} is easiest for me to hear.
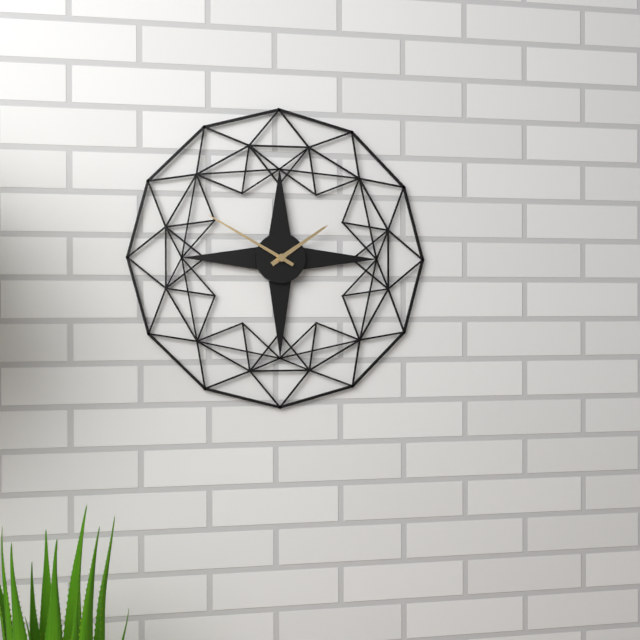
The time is {"hour": 1, "minute": 50}
